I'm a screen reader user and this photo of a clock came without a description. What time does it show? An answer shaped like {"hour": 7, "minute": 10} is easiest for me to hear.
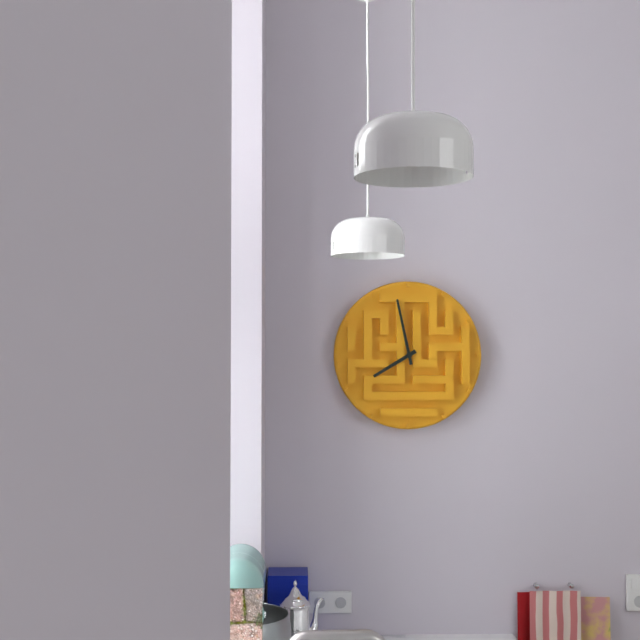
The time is {"hour": 7, "minute": 58}
